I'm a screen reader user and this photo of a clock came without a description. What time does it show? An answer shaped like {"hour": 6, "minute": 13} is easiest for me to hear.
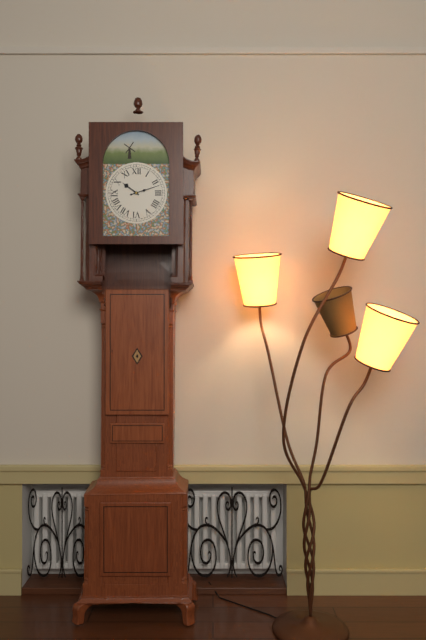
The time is {"hour": 10, "minute": 12}
